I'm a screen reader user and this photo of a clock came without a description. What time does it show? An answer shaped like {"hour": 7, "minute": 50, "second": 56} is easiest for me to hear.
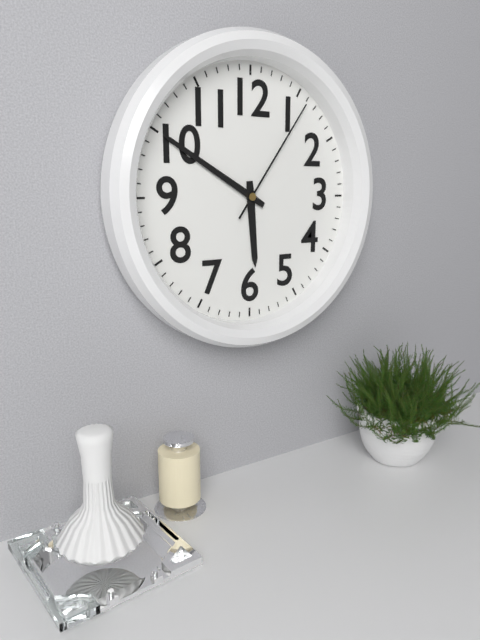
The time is {"hour": 5, "minute": 50, "second": 6}
